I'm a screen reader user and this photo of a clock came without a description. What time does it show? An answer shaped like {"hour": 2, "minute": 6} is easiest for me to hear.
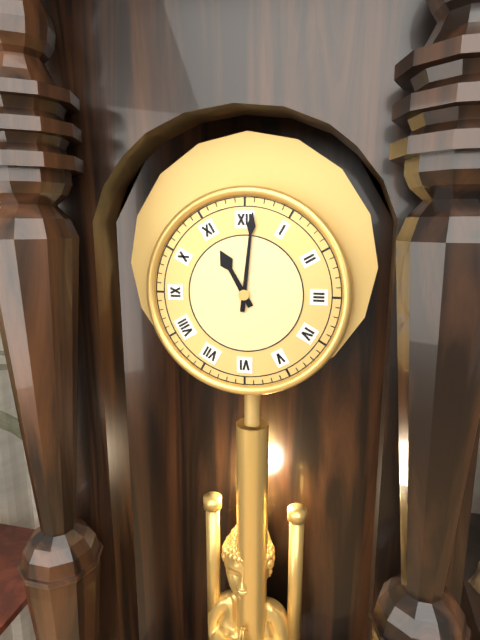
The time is {"hour": 11, "minute": 1}
